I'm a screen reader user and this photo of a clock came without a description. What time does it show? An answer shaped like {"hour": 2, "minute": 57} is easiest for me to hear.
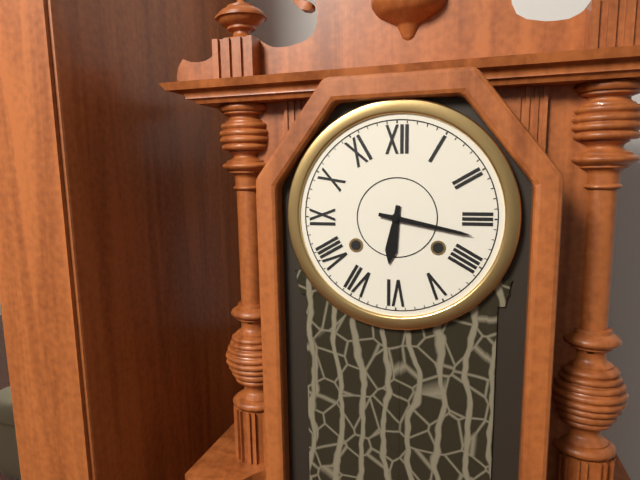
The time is {"hour": 6, "minute": 17}
